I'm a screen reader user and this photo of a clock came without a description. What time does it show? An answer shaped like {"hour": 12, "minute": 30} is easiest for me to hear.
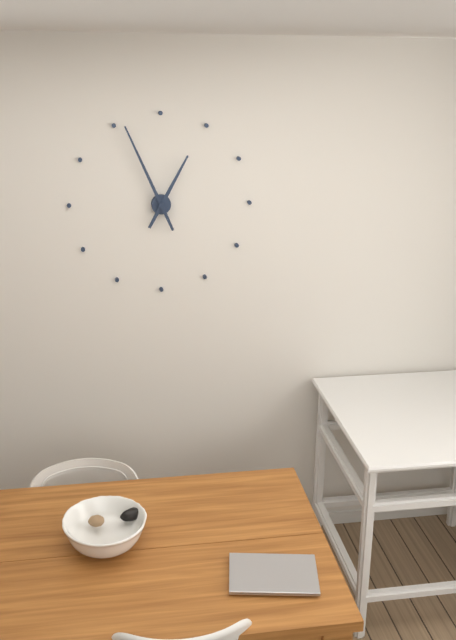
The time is {"hour": 12, "minute": 56}
